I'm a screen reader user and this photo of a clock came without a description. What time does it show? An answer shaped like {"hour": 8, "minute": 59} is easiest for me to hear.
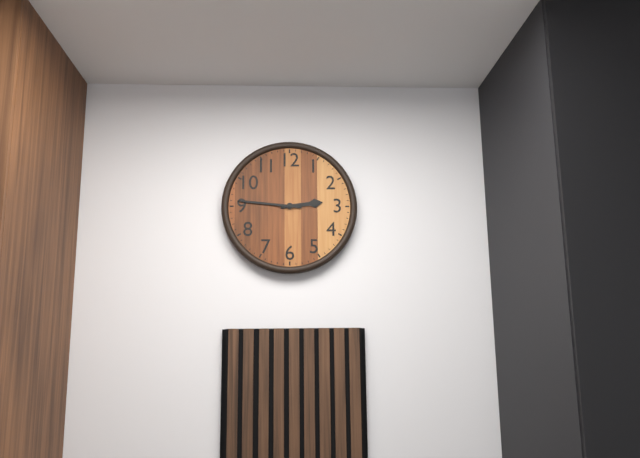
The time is {"hour": 2, "minute": 46}
